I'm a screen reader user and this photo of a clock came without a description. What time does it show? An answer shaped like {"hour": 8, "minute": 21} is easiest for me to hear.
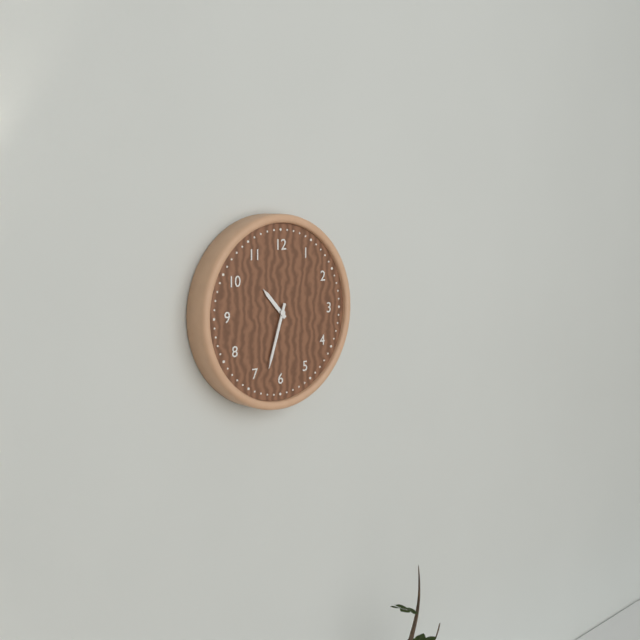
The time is {"hour": 10, "minute": 33}
